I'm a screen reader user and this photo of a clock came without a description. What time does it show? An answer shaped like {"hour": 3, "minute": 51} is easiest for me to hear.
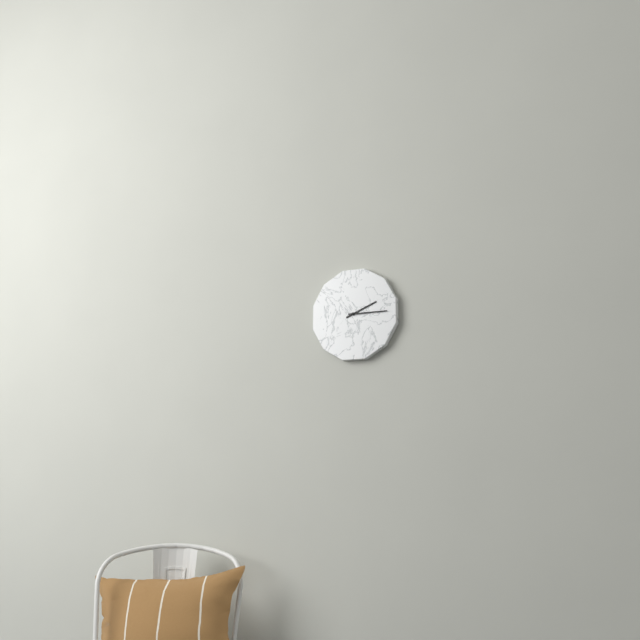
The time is {"hour": 2, "minute": 15}
